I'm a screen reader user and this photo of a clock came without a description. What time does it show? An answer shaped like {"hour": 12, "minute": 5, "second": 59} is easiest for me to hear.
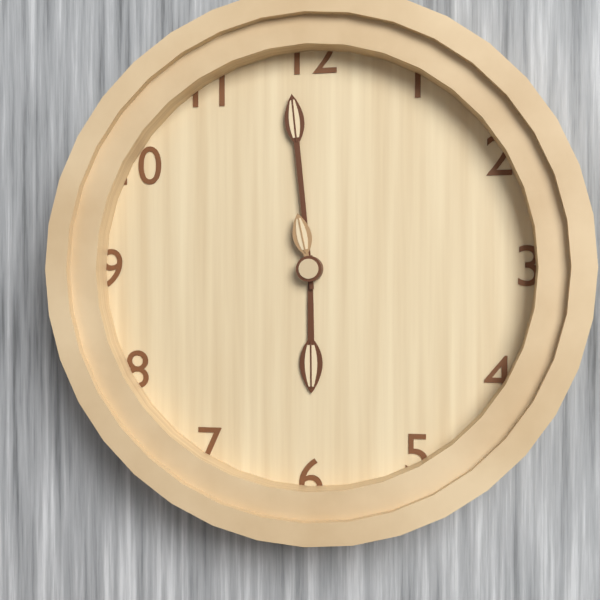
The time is {"hour": 5, "minute": 59, "second": 58}
